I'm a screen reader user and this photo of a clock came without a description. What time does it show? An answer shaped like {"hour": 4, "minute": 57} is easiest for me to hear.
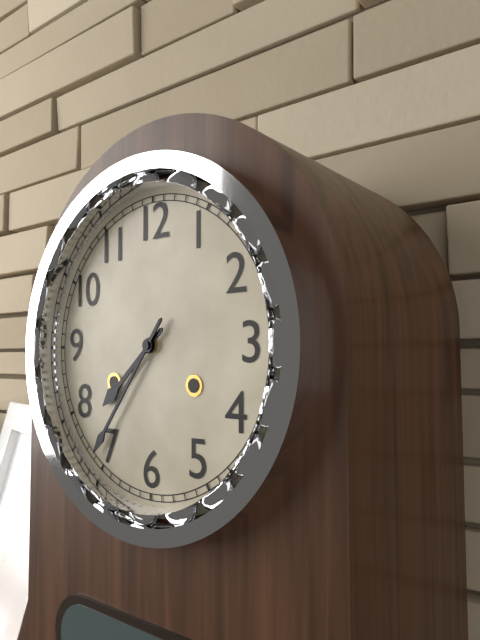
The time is {"hour": 7, "minute": 36}
